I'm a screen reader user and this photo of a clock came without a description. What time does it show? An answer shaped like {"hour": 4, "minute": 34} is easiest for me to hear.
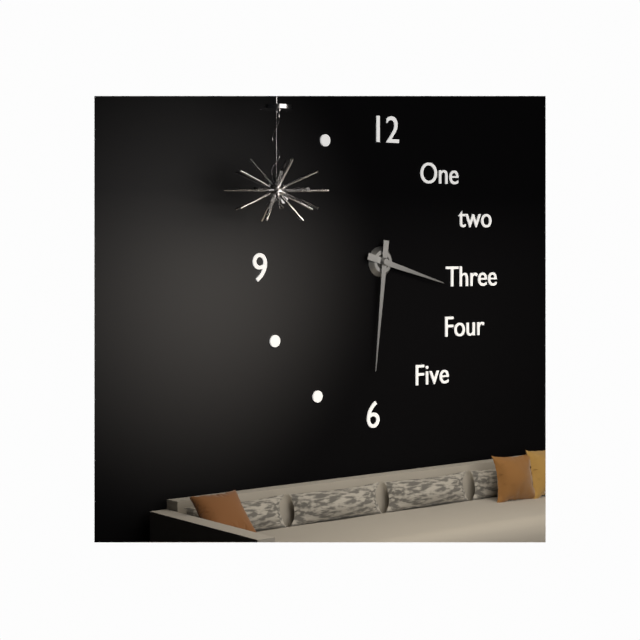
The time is {"hour": 3, "minute": 31}
